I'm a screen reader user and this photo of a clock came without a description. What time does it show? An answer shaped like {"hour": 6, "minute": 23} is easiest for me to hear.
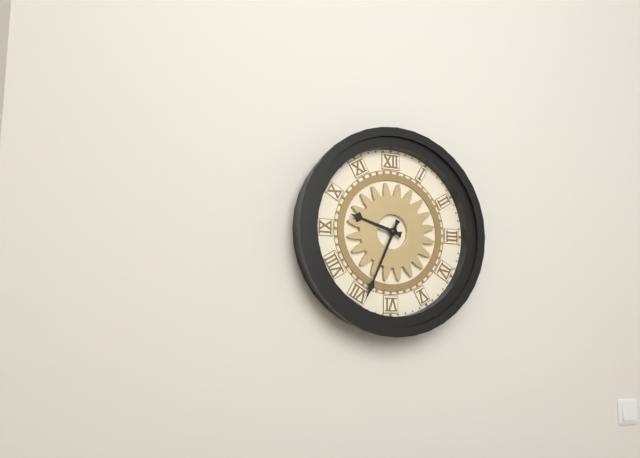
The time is {"hour": 9, "minute": 34}
